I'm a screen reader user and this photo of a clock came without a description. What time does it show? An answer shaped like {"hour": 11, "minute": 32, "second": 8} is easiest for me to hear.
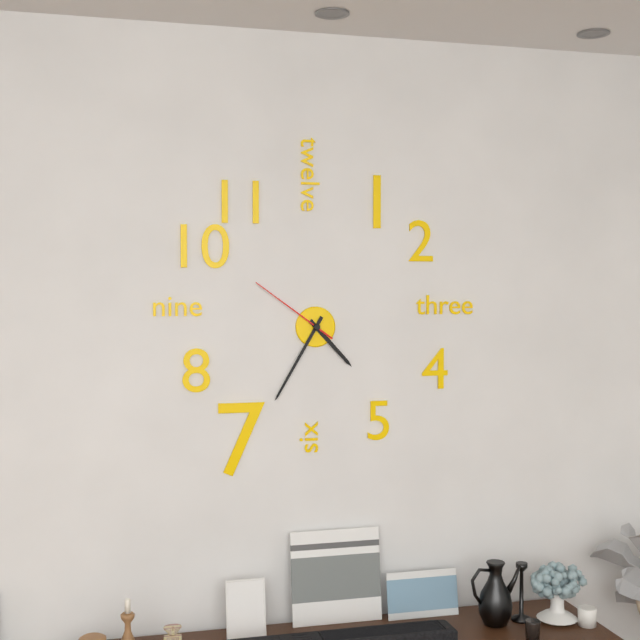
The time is {"hour": 4, "minute": 35, "second": 51}
